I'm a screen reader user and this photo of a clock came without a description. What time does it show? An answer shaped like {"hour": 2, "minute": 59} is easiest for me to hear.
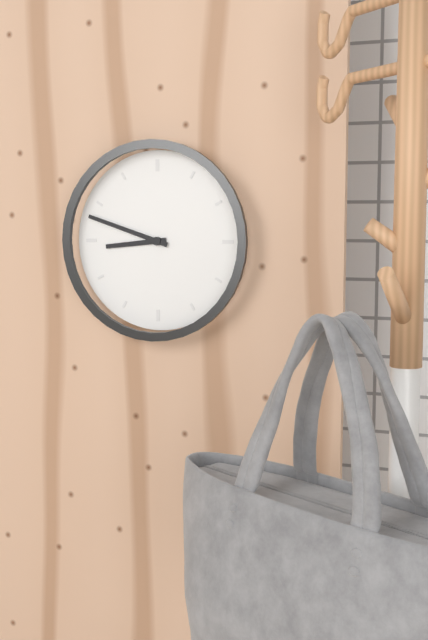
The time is {"hour": 8, "minute": 48}
